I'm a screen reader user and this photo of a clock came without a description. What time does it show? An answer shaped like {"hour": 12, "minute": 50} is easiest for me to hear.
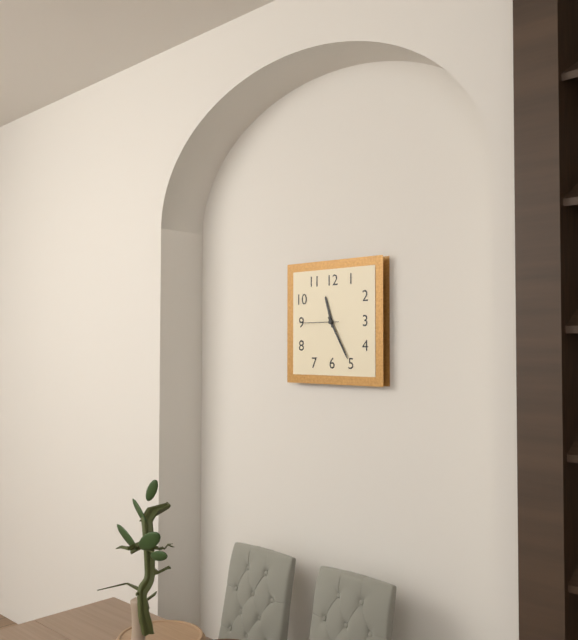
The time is {"hour": 11, "minute": 25}
